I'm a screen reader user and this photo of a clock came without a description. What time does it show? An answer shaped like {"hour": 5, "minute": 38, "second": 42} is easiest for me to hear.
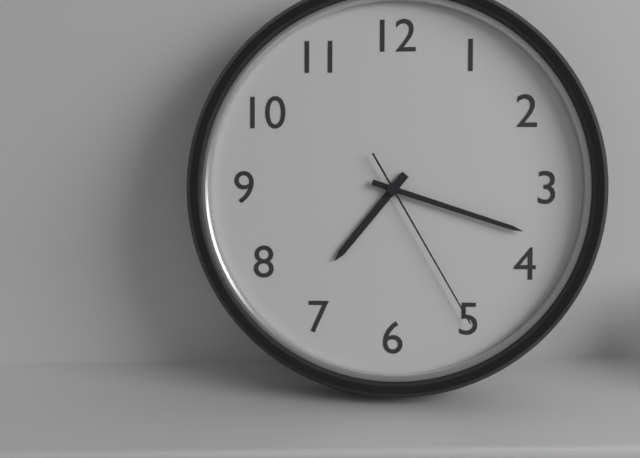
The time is {"hour": 7, "minute": 18, "second": 25}
